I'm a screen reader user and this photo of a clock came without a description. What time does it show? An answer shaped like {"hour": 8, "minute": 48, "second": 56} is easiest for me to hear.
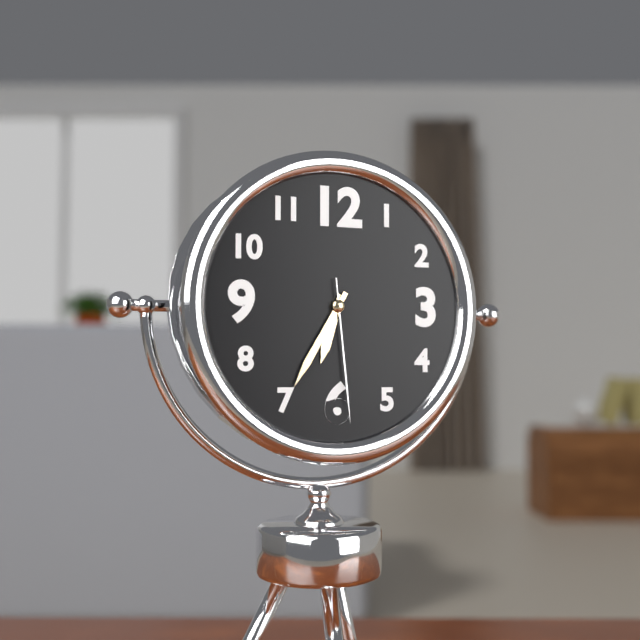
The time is {"hour": 6, "minute": 35, "second": 29}
